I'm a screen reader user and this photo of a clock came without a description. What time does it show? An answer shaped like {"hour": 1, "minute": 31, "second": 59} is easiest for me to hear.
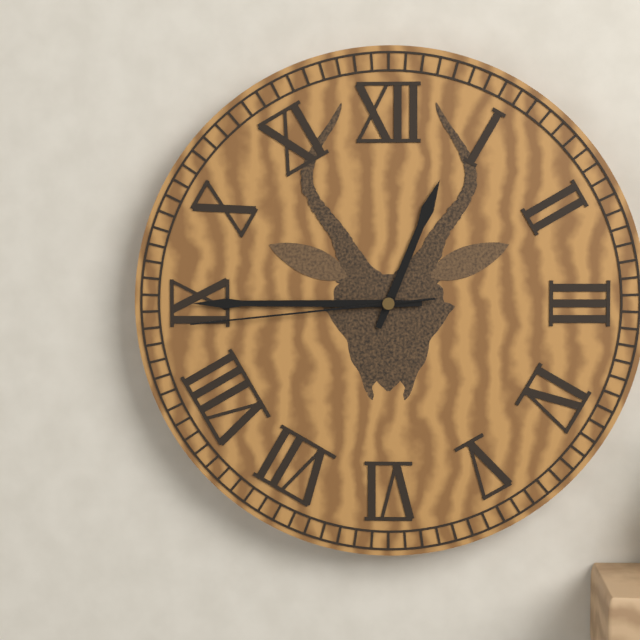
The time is {"hour": 12, "minute": 45, "second": 44}
